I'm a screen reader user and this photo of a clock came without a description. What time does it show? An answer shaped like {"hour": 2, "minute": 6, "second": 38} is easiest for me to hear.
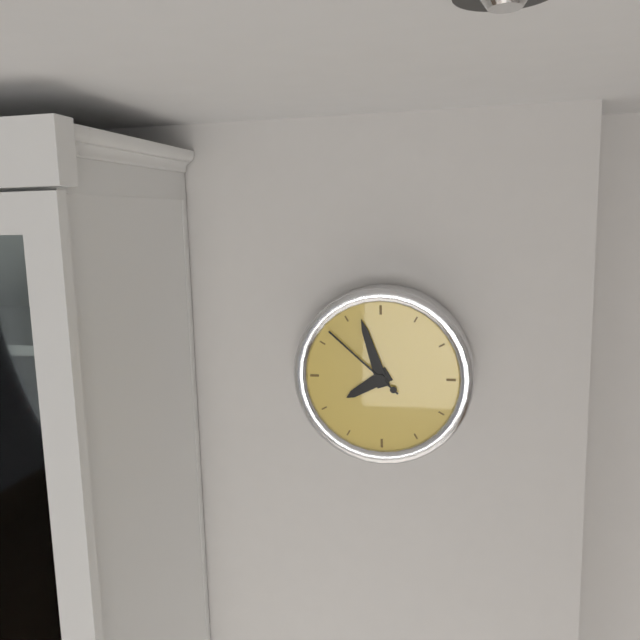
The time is {"hour": 7, "minute": 57, "second": 52}
